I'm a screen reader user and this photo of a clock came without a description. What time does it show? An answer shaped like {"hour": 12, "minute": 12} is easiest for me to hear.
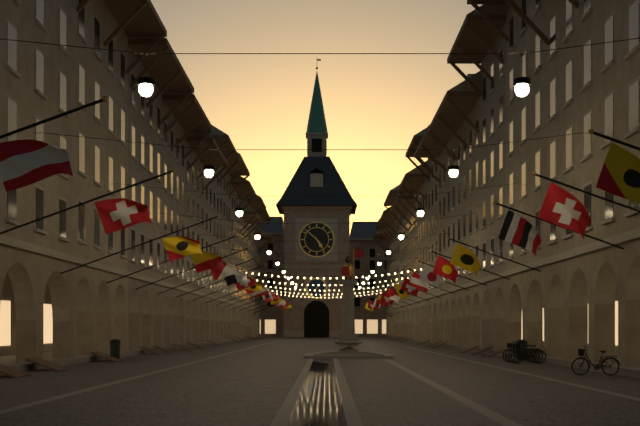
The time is {"hour": 4, "minute": 52}
